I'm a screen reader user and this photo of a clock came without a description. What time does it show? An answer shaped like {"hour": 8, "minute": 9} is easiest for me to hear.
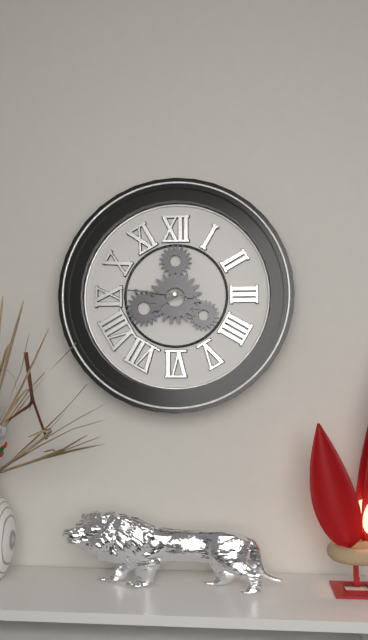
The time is {"hour": 7, "minute": 46}
